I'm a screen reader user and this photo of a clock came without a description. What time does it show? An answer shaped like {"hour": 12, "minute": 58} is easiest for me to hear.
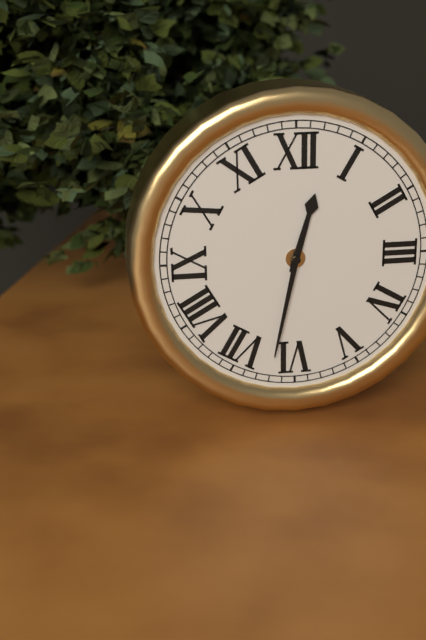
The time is {"hour": 12, "minute": 32}
